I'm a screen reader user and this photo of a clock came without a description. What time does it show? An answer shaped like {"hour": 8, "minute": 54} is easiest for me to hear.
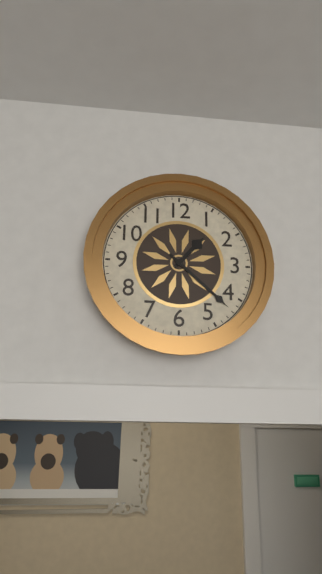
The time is {"hour": 1, "minute": 22}
